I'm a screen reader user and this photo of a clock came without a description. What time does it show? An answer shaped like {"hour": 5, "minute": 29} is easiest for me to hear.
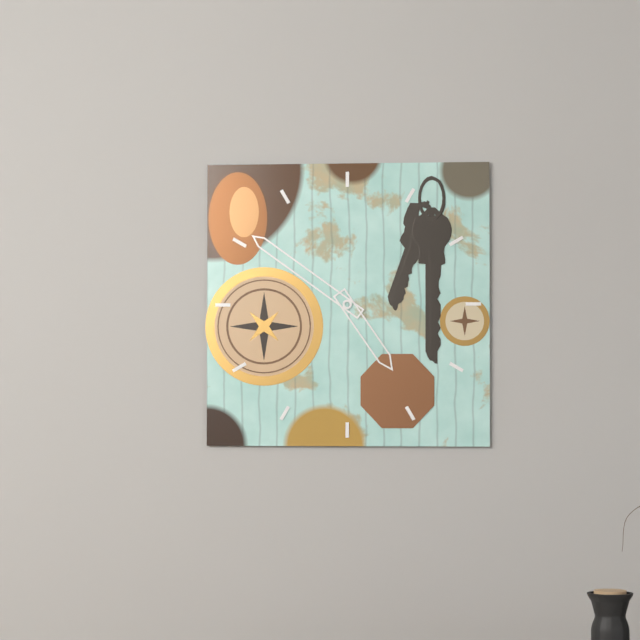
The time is {"hour": 4, "minute": 51}
